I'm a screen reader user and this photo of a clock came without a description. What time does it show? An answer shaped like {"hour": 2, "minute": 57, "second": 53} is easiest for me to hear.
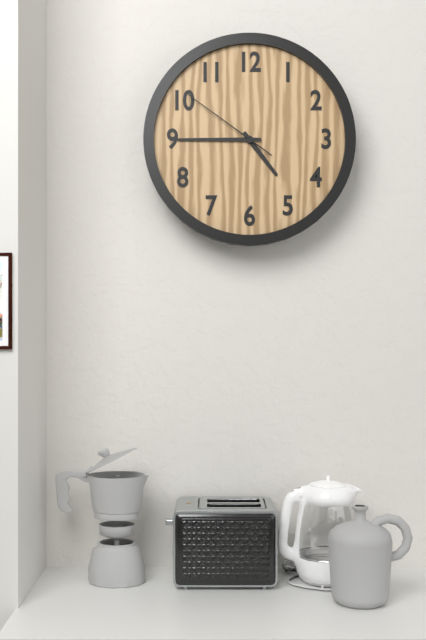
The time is {"hour": 4, "minute": 45, "second": 51}
